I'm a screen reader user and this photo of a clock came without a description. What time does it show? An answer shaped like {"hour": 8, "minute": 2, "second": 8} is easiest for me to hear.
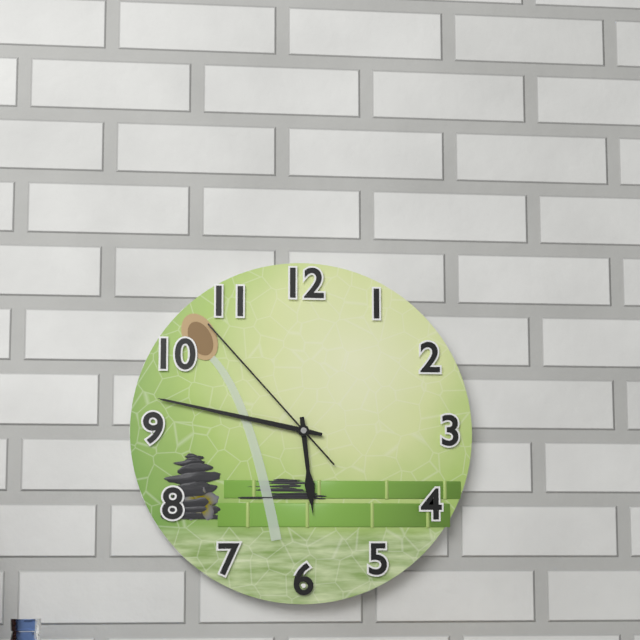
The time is {"hour": 5, "minute": 47, "second": 53}
